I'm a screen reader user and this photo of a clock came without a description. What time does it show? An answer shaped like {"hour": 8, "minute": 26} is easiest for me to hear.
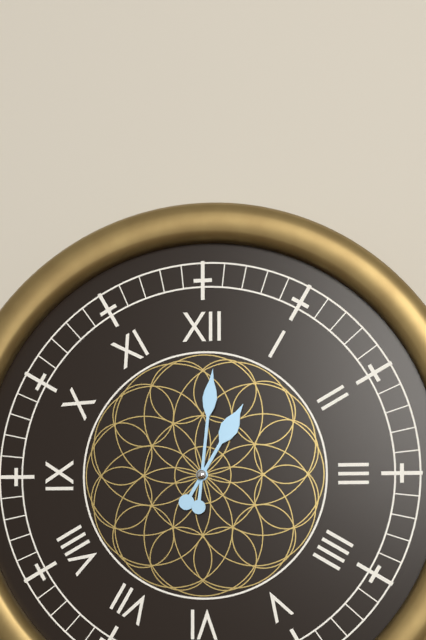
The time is {"hour": 1, "minute": 1}
